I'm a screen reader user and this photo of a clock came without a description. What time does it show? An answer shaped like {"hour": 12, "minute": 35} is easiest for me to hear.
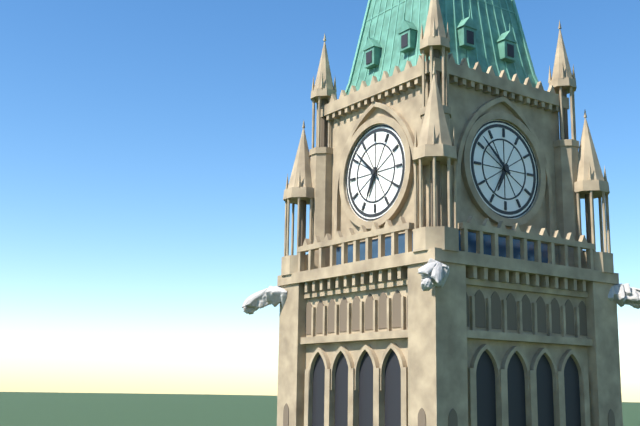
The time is {"hour": 6, "minute": 52}
